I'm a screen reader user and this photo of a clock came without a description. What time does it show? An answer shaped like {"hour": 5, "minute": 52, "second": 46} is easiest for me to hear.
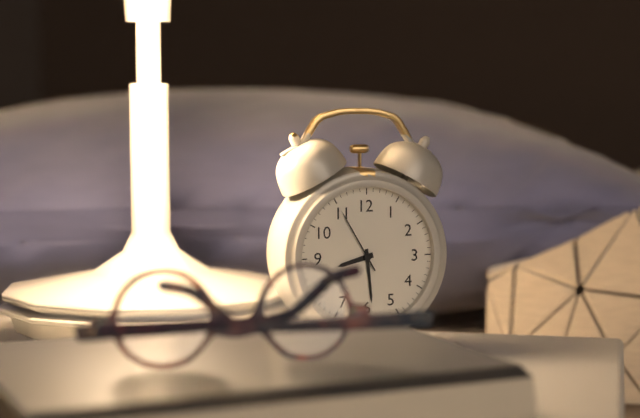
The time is {"hour": 8, "minute": 29, "second": 55}
